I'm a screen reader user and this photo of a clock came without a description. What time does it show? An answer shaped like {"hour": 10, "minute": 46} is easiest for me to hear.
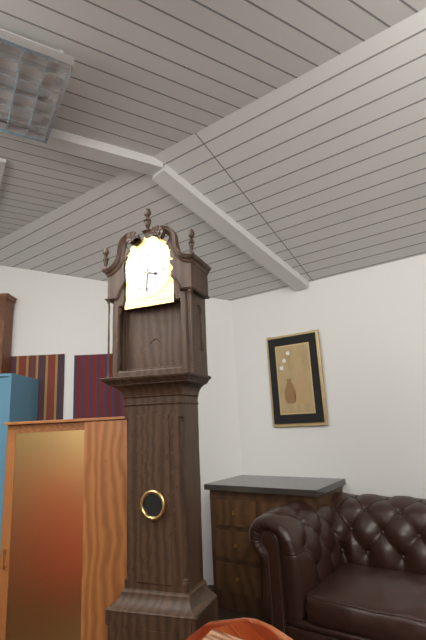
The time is {"hour": 3, "minute": 31}
